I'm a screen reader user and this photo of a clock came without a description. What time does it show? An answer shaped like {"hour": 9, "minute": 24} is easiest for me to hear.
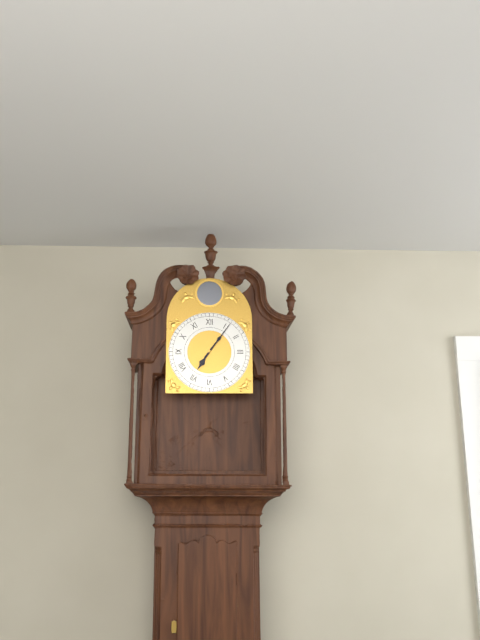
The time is {"hour": 7, "minute": 6}
